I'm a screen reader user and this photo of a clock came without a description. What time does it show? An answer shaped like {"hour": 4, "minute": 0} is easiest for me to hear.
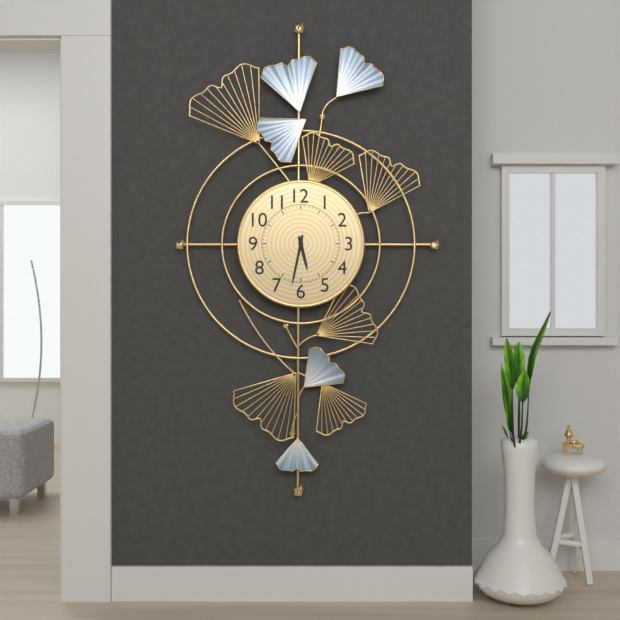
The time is {"hour": 5, "minute": 32}
